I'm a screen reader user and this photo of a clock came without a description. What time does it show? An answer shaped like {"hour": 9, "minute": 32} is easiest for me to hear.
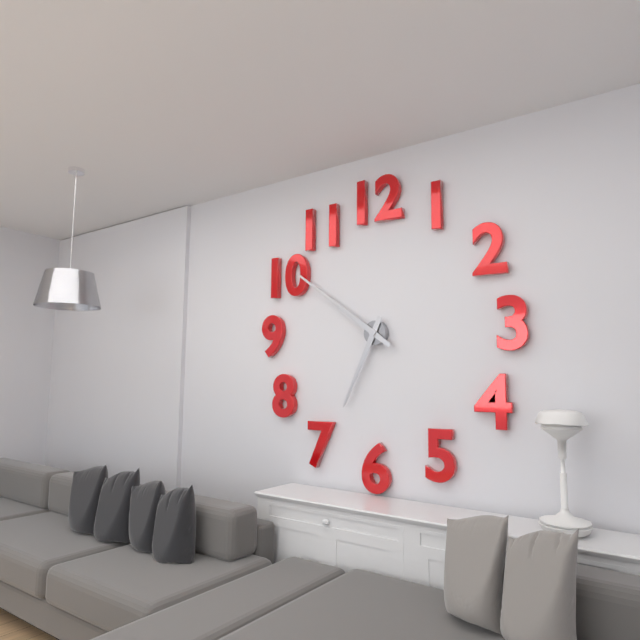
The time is {"hour": 6, "minute": 51}
